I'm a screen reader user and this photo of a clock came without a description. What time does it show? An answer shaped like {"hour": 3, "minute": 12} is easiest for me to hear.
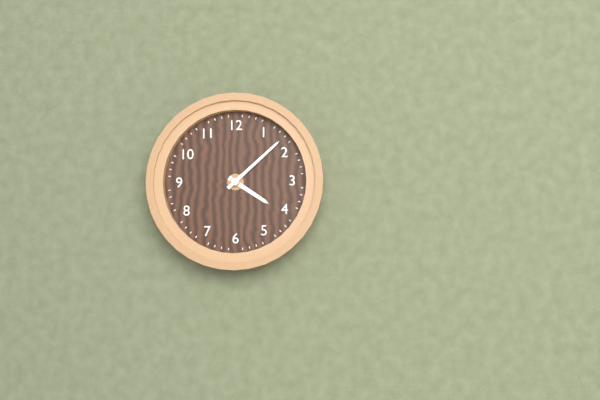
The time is {"hour": 4, "minute": 8}
